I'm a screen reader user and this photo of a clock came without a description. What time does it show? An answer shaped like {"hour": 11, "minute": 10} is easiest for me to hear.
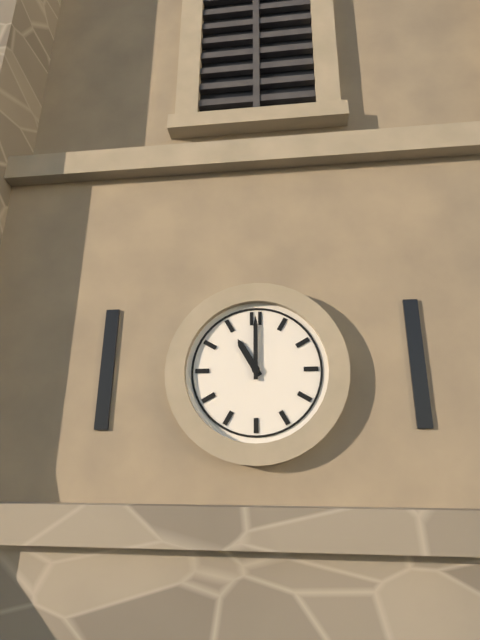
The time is {"hour": 11, "minute": 0}
